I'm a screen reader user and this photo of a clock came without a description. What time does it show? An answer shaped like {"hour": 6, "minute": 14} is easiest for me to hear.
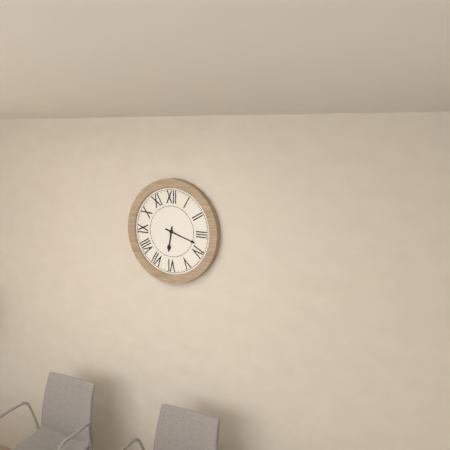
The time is {"hour": 6, "minute": 18}
